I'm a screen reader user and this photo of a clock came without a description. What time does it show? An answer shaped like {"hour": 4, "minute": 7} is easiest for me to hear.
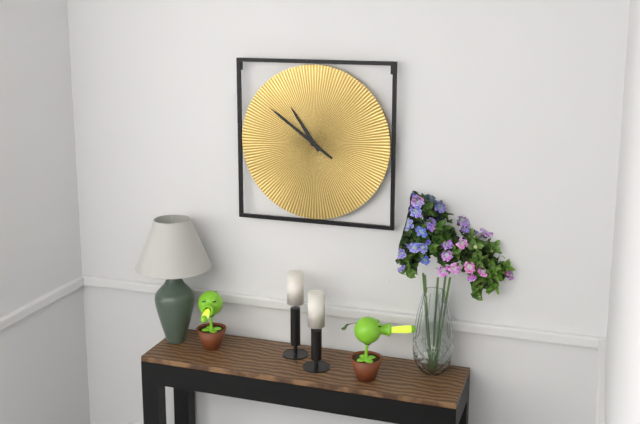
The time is {"hour": 10, "minute": 51}
